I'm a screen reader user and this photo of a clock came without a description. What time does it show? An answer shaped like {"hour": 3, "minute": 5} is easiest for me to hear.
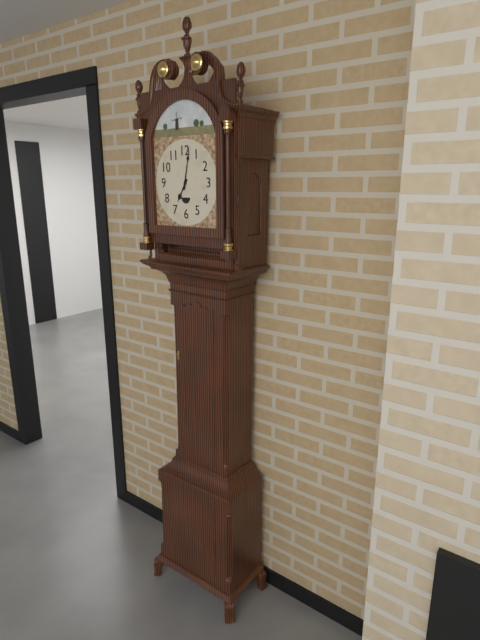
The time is {"hour": 7, "minute": 2}
